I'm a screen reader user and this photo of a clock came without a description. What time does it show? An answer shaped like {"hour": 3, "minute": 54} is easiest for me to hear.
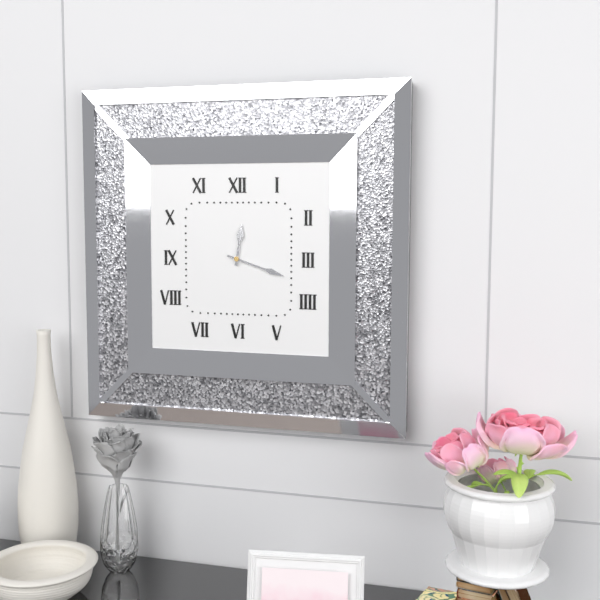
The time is {"hour": 12, "minute": 18}
